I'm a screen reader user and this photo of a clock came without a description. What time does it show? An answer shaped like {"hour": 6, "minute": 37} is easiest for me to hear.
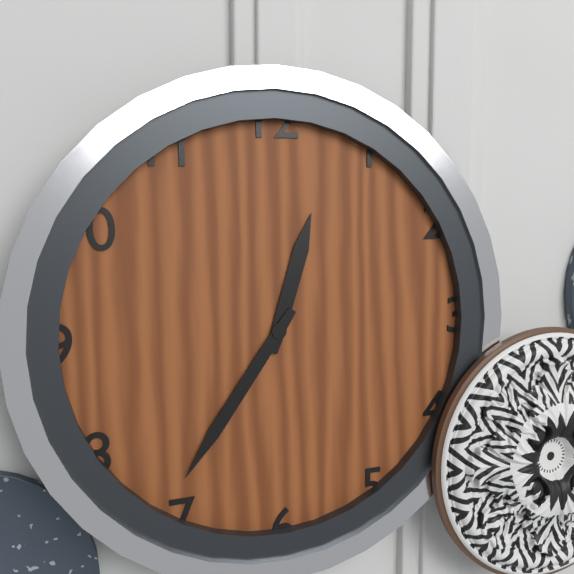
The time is {"hour": 12, "minute": 36}
